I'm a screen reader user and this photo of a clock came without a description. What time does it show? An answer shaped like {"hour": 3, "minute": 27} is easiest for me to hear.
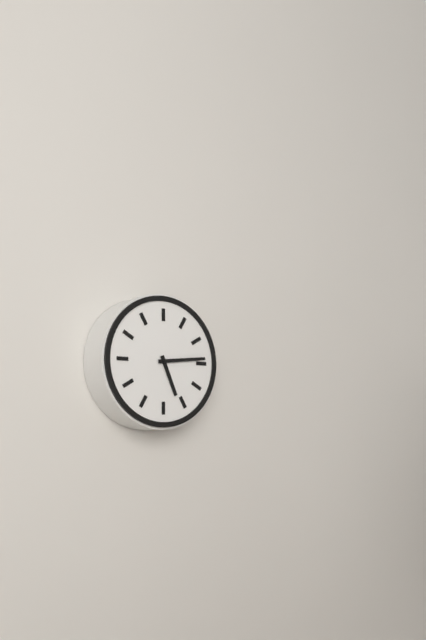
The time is {"hour": 5, "minute": 14}
